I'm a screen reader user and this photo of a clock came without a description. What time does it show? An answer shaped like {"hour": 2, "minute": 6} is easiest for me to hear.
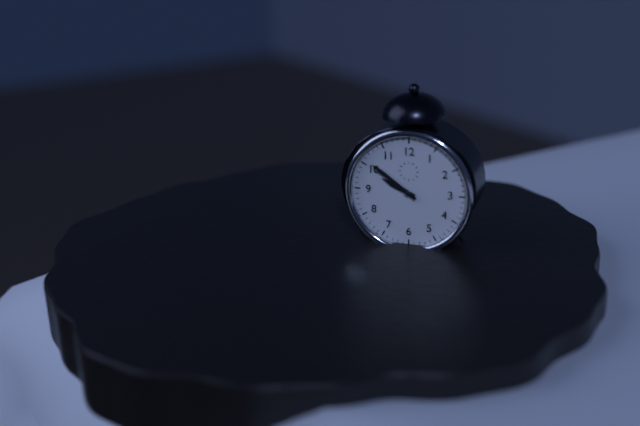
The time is {"hour": 9, "minute": 51}
